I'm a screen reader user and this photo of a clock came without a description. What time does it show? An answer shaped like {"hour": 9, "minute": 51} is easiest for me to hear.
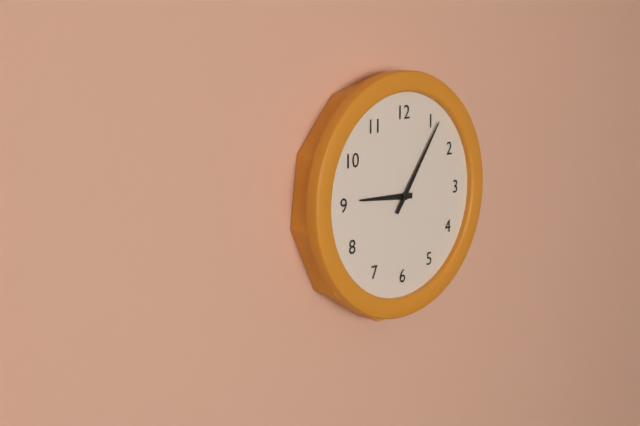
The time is {"hour": 9, "minute": 6}
